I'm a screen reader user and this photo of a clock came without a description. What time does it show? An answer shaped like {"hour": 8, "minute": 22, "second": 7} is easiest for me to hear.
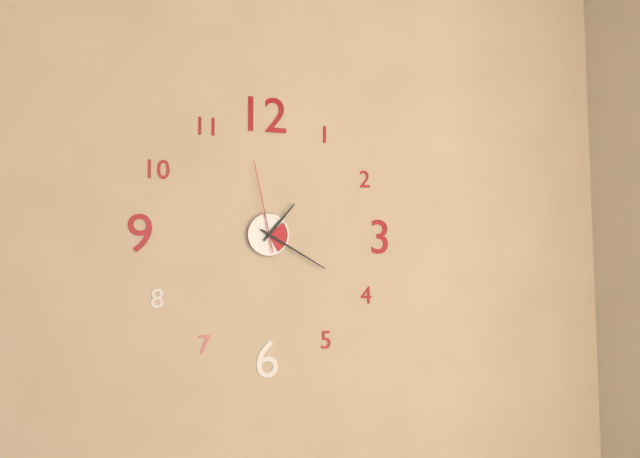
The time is {"hour": 1, "minute": 20, "second": 58}
